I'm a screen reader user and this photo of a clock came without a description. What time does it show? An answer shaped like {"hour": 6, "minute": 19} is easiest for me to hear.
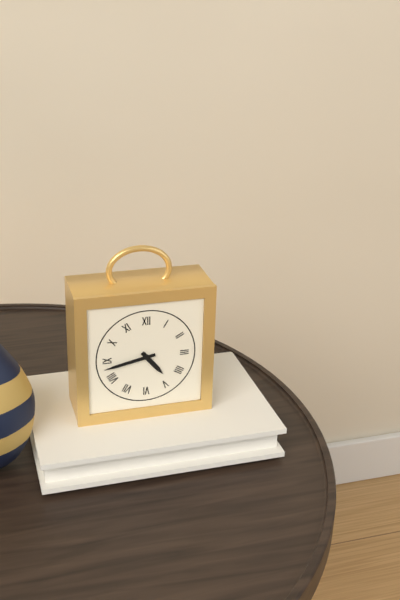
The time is {"hour": 4, "minute": 43}
